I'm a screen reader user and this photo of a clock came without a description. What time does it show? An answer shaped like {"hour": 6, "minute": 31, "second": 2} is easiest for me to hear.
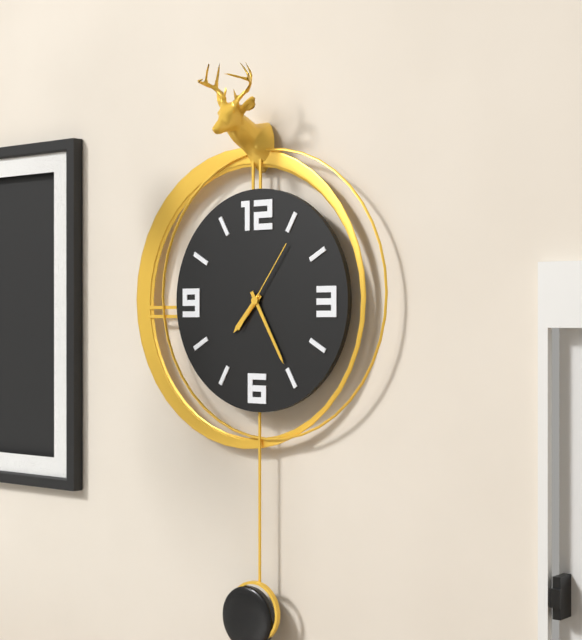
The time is {"hour": 7, "minute": 25, "second": 6}
